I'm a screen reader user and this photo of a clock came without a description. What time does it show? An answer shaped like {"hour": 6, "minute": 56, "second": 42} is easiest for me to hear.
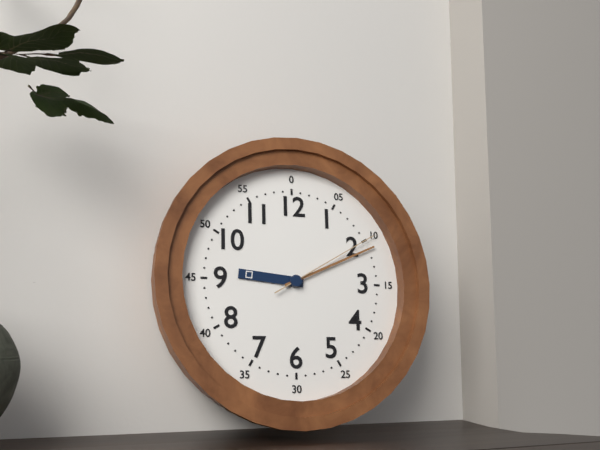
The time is {"hour": 9, "minute": 11, "second": 10}
